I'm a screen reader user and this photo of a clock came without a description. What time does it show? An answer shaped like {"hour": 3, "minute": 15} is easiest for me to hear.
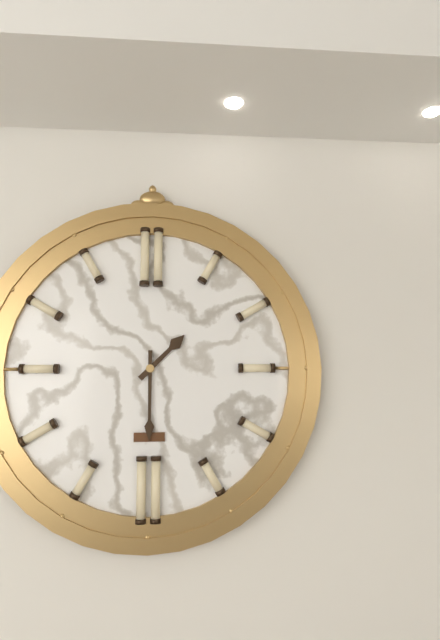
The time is {"hour": 1, "minute": 30}
